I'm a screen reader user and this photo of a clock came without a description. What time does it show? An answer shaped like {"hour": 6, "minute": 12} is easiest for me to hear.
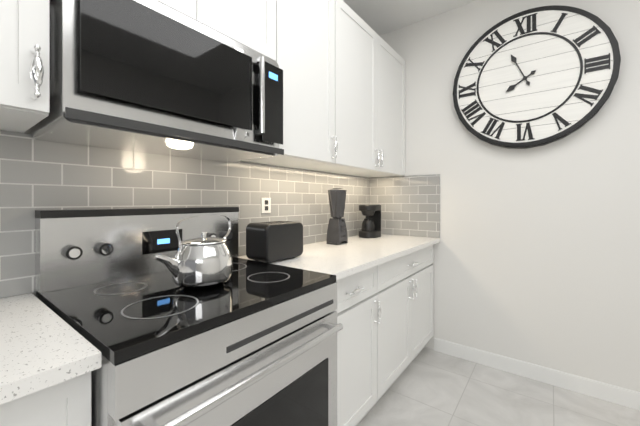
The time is {"hour": 7, "minute": 56}
